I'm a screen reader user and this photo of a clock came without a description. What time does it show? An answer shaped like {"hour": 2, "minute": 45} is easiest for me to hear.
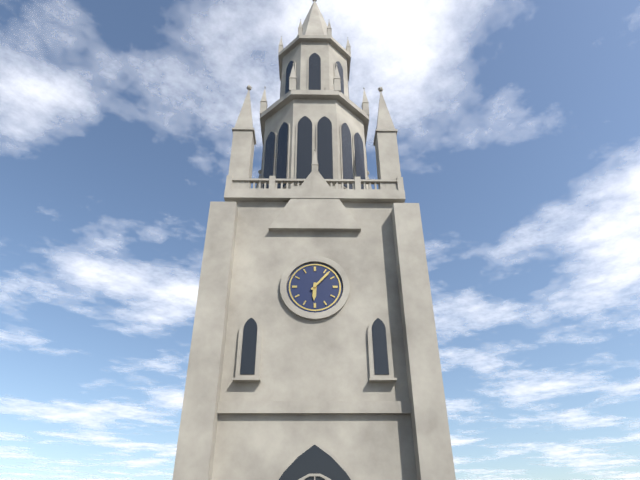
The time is {"hour": 6, "minute": 7}
